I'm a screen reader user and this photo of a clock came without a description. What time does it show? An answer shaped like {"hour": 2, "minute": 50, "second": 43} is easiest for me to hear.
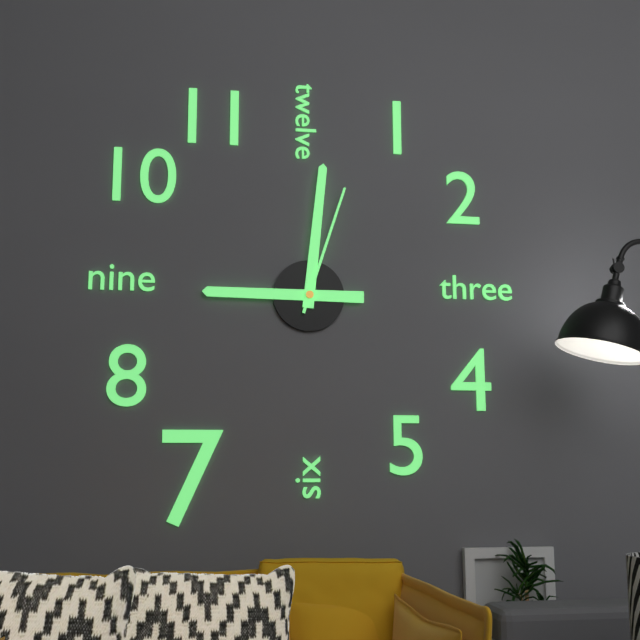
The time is {"hour": 9, "minute": 1, "second": 3}
